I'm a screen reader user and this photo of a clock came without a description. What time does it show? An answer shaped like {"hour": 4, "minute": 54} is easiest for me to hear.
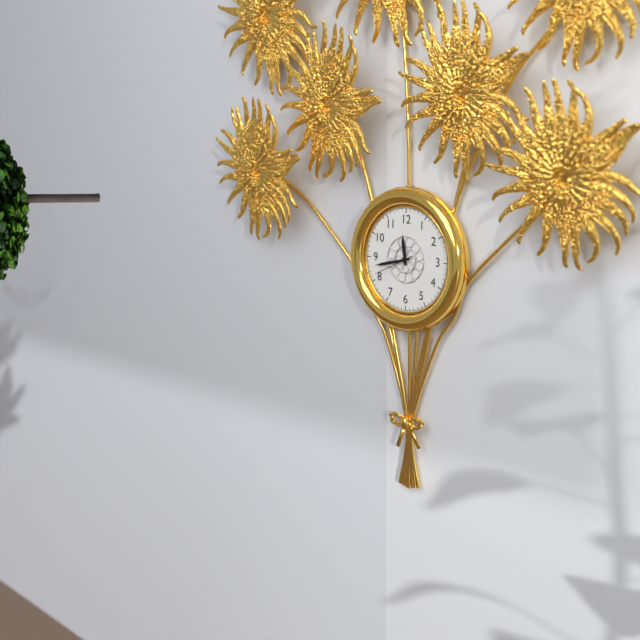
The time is {"hour": 11, "minute": 43}
